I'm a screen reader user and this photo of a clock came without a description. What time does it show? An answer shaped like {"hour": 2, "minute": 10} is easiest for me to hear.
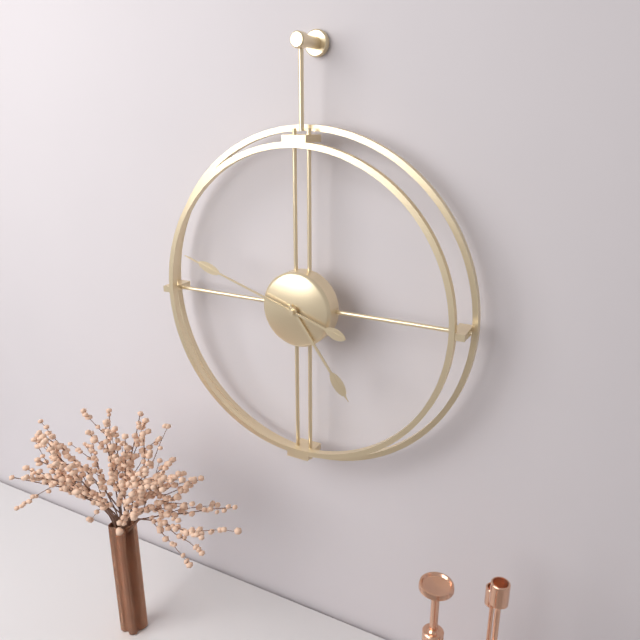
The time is {"hour": 4, "minute": 48}
